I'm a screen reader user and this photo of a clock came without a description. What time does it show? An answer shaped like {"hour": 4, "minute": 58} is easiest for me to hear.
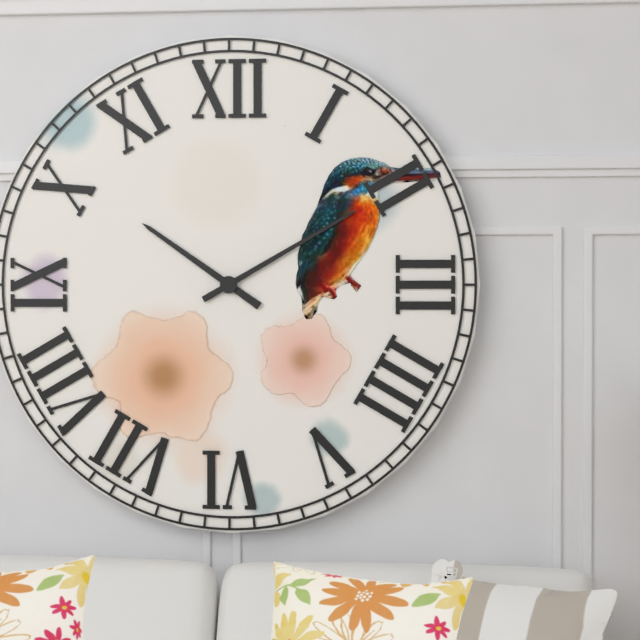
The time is {"hour": 10, "minute": 10}
